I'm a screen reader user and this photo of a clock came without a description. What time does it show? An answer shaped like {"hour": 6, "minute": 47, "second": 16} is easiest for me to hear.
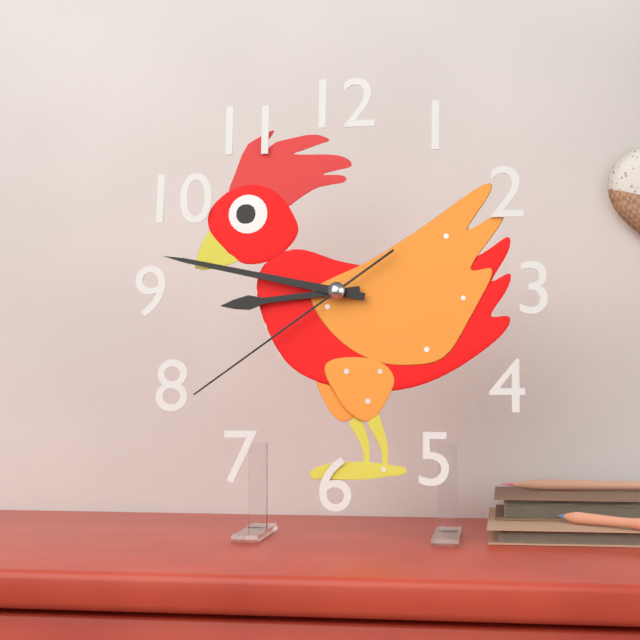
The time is {"hour": 8, "minute": 47, "second": 39}
